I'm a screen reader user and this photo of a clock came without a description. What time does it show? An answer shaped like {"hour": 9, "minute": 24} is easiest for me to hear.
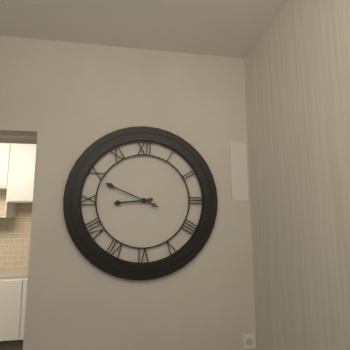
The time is {"hour": 8, "minute": 49}
